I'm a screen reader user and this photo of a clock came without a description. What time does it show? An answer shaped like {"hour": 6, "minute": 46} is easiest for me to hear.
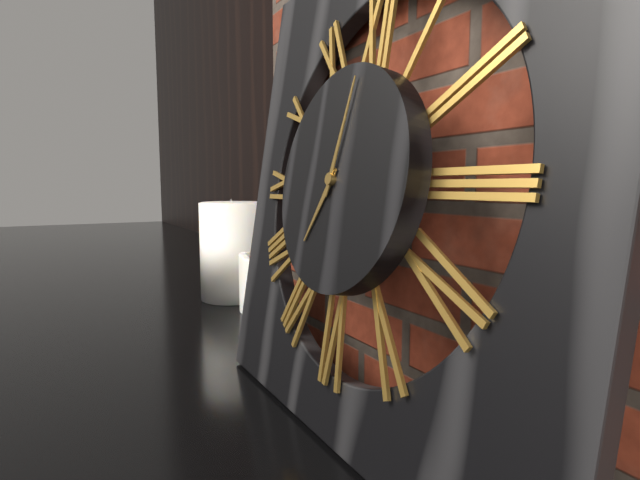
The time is {"hour": 7, "minute": 2}
